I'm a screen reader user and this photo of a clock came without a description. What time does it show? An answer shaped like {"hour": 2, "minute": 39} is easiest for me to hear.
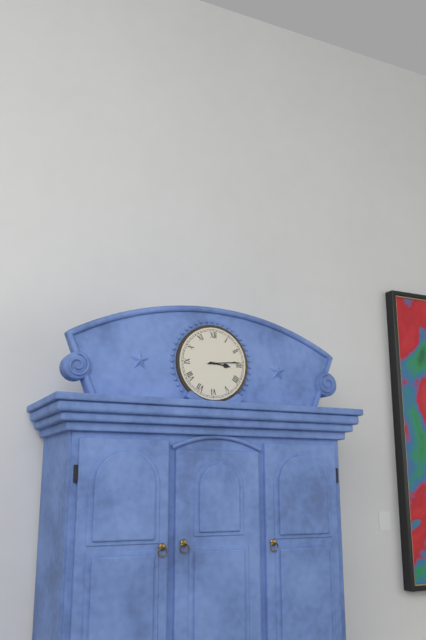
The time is {"hour": 3, "minute": 14}
